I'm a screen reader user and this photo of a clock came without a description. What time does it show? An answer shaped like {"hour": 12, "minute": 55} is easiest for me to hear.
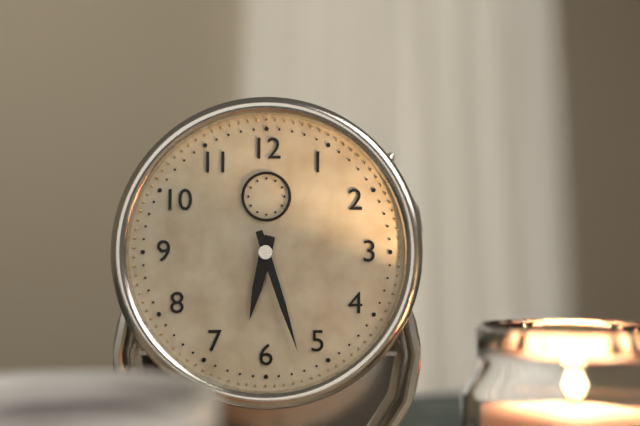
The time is {"hour": 6, "minute": 27}
